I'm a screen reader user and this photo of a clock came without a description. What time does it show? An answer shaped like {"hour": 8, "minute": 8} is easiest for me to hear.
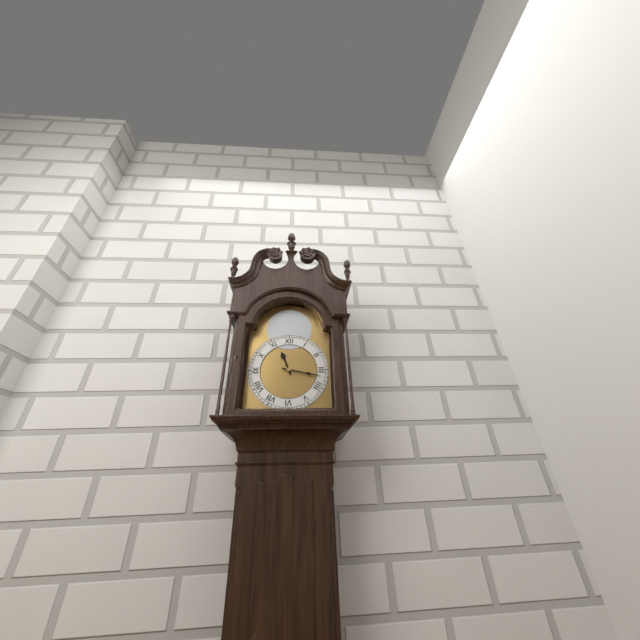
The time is {"hour": 11, "minute": 17}
